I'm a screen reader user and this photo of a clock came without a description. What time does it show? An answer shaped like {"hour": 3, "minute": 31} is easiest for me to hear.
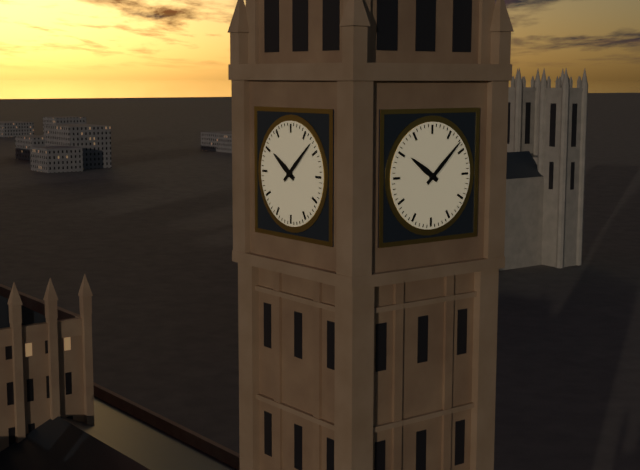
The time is {"hour": 10, "minute": 8}
